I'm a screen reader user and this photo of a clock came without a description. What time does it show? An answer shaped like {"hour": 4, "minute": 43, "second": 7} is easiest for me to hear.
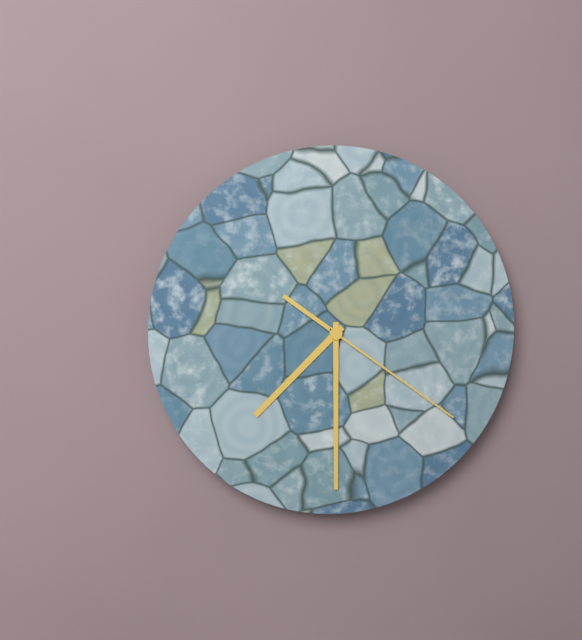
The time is {"hour": 7, "minute": 30, "second": 21}
